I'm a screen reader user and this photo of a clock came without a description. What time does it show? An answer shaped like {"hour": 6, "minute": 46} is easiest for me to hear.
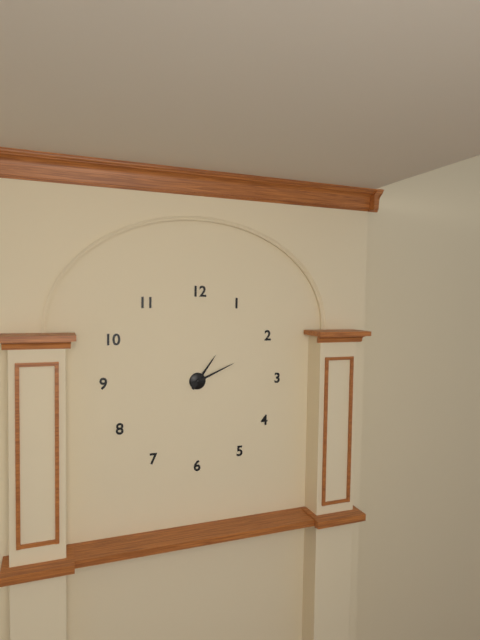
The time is {"hour": 1, "minute": 11}
